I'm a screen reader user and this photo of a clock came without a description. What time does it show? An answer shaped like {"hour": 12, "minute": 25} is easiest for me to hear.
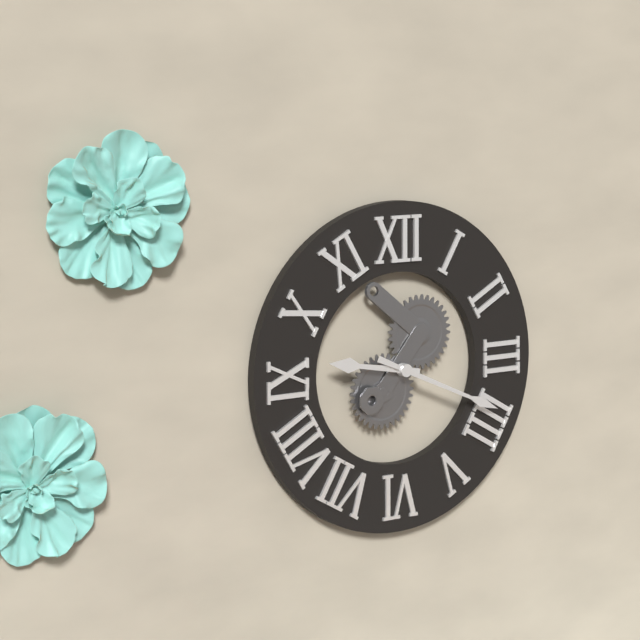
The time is {"hour": 9, "minute": 19}
